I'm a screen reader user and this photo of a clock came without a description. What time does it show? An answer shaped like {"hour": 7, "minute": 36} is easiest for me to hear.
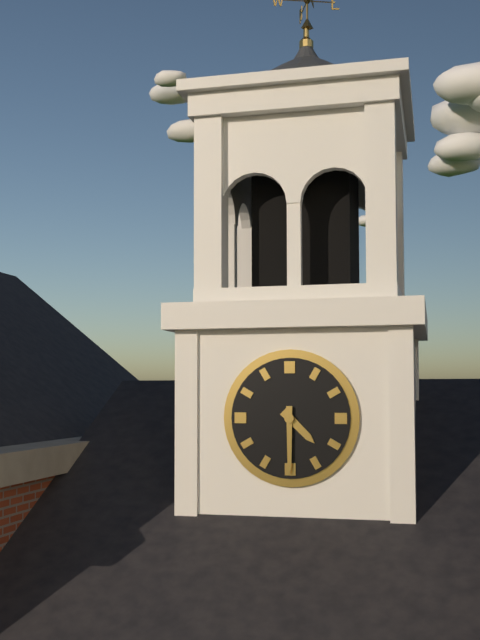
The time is {"hour": 4, "minute": 30}
